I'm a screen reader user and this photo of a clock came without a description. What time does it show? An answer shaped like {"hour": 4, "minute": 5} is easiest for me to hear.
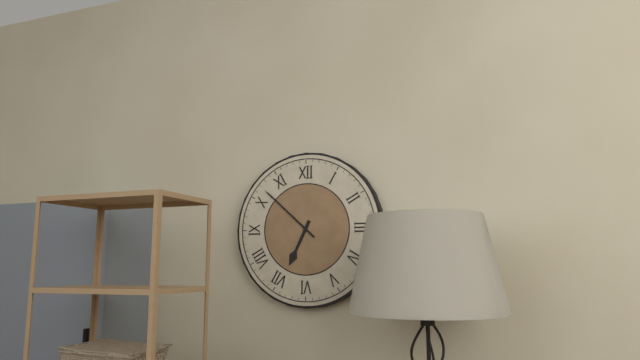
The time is {"hour": 6, "minute": 52}
